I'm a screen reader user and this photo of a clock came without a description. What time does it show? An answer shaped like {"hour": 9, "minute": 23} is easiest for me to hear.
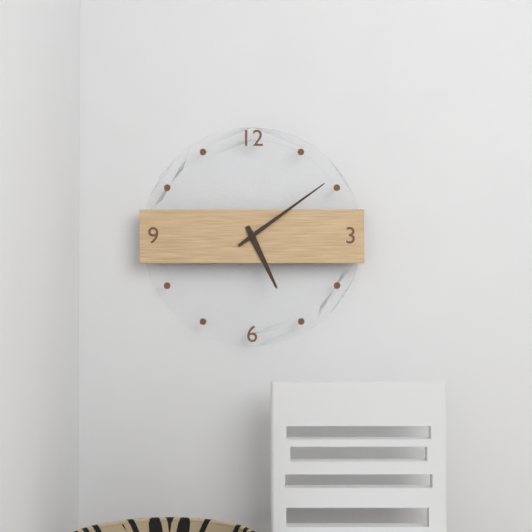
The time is {"hour": 5, "minute": 9}
